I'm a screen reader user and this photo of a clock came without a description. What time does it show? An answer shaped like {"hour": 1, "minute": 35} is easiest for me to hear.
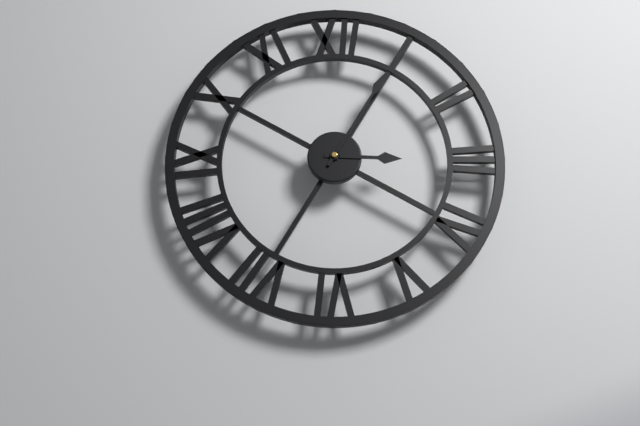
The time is {"hour": 3, "minute": 5}
